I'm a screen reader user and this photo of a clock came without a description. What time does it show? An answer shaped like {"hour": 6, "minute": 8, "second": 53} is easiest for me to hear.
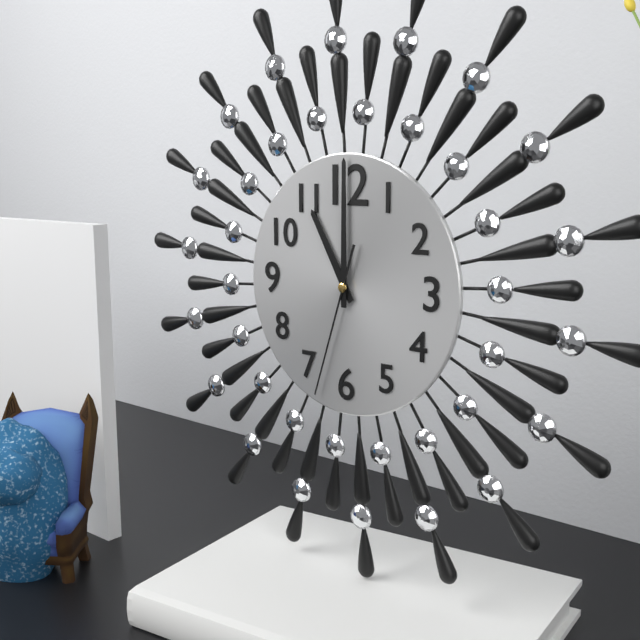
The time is {"hour": 11, "minute": 0, "second": 33}
